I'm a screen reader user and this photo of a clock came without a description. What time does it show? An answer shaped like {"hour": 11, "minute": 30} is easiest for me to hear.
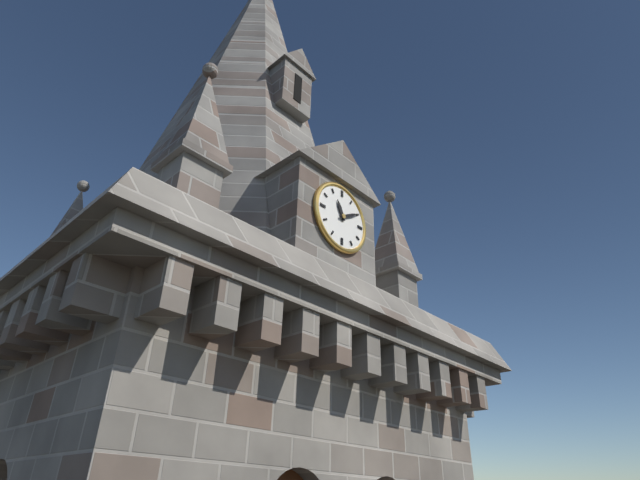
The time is {"hour": 11, "minute": 10}
